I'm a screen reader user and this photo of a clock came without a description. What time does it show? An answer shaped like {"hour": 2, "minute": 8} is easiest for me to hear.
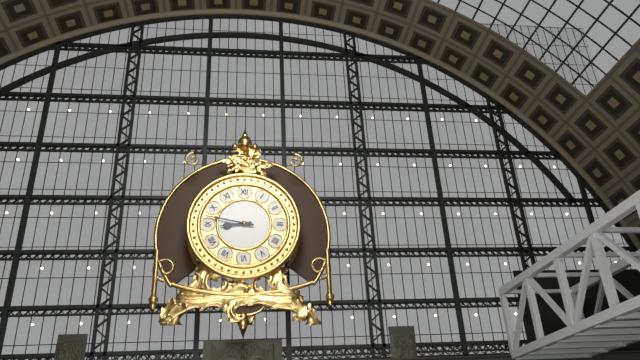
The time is {"hour": 8, "minute": 47}
